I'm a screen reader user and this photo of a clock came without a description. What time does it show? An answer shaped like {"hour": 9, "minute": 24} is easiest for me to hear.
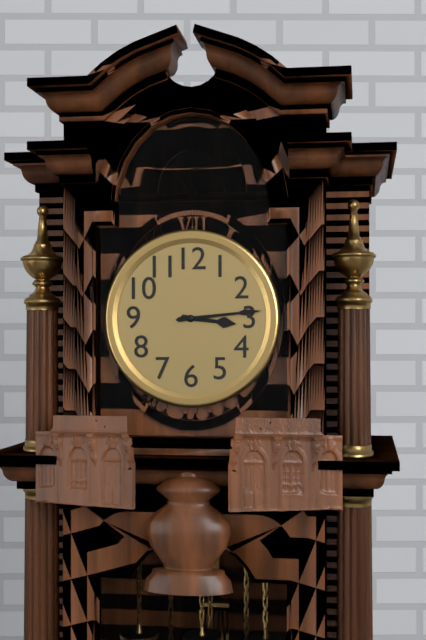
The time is {"hour": 3, "minute": 14}
